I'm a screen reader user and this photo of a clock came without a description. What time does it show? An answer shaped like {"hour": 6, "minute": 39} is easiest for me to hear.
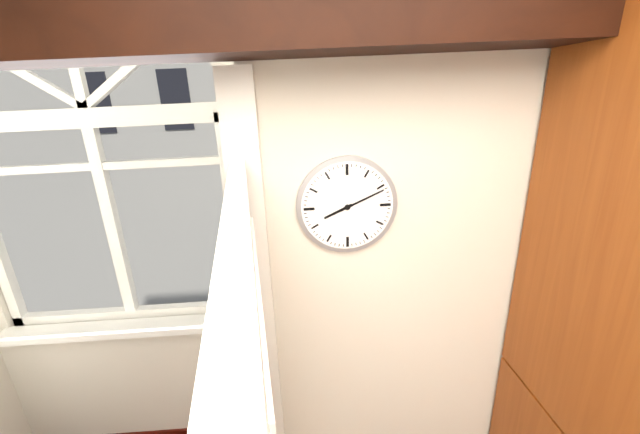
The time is {"hour": 8, "minute": 11}
